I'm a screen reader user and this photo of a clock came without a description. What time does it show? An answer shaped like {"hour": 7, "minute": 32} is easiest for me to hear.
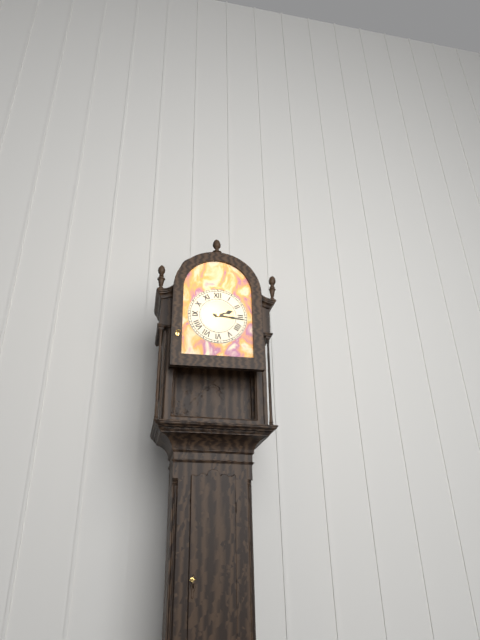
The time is {"hour": 2, "minute": 16}
